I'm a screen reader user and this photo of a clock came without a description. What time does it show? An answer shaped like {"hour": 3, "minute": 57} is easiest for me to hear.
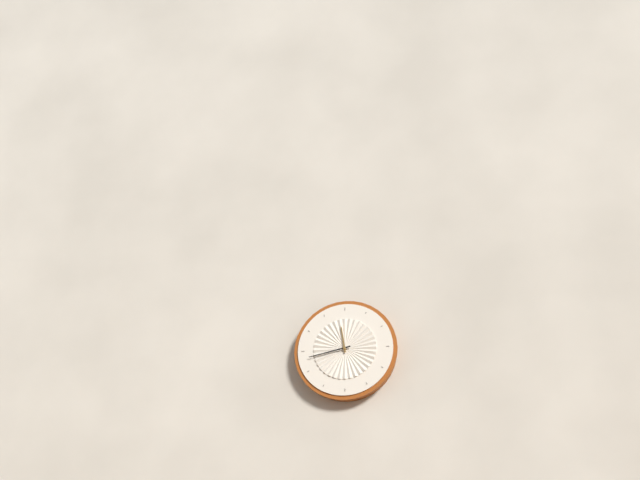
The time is {"hour": 11, "minute": 43}
